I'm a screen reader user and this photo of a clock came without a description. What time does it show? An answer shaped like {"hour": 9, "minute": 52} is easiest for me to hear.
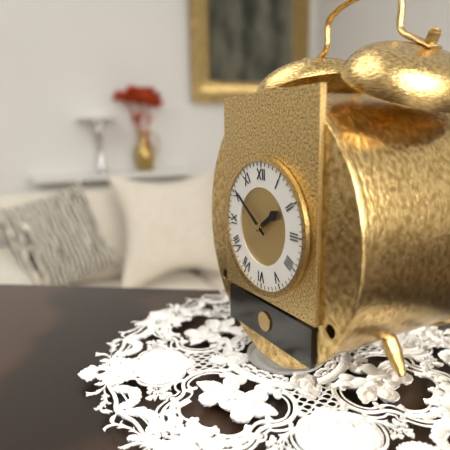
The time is {"hour": 1, "minute": 51}
